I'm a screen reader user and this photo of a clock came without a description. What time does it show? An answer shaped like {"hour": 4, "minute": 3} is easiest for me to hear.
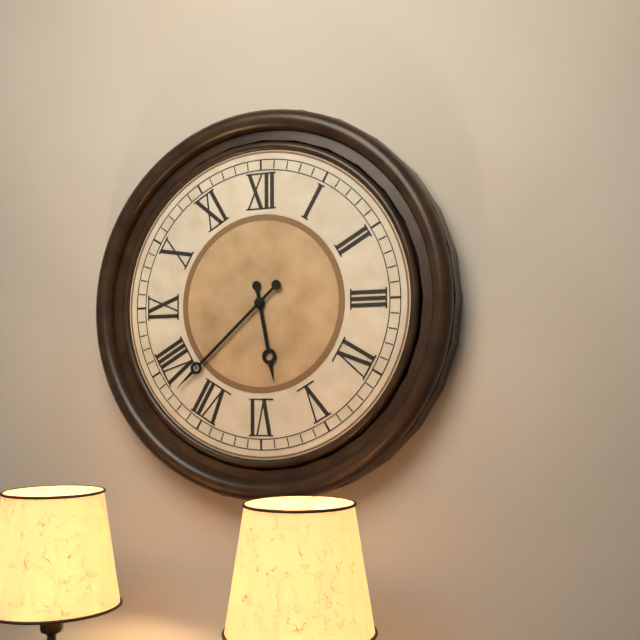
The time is {"hour": 5, "minute": 38}
